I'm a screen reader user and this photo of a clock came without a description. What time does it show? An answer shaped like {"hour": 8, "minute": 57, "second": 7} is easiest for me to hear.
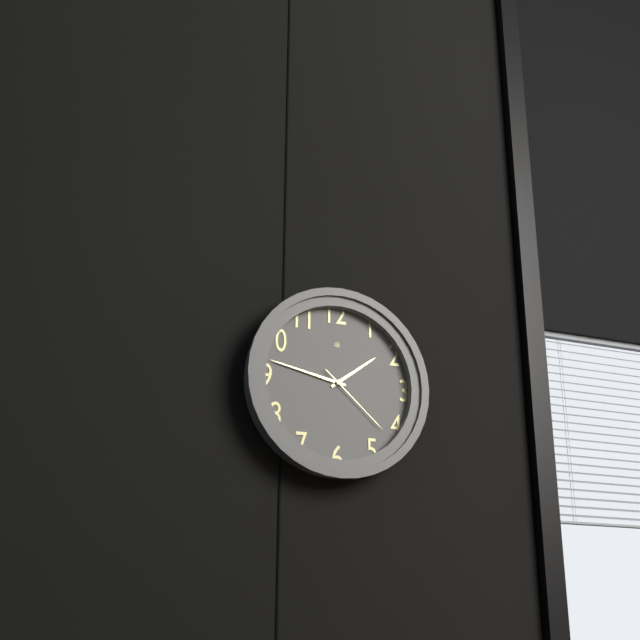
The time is {"hour": 1, "minute": 47, "second": 22}
